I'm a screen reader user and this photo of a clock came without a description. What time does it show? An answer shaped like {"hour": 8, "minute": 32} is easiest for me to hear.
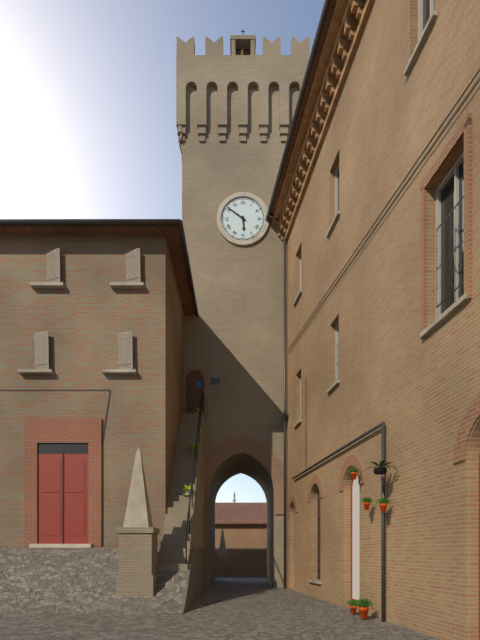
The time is {"hour": 5, "minute": 51}
